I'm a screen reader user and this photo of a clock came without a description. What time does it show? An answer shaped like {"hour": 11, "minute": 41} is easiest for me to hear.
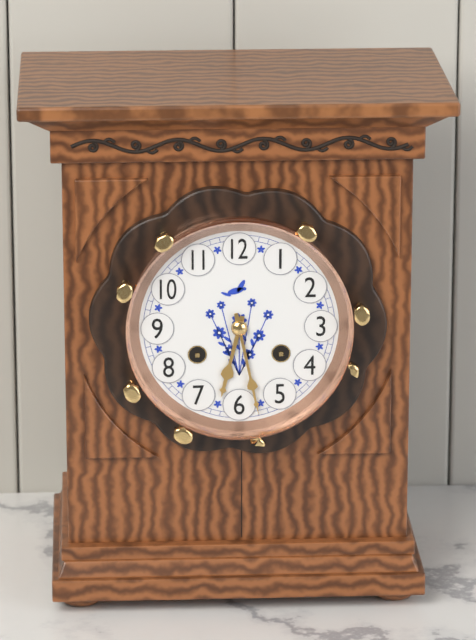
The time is {"hour": 6, "minute": 28}
